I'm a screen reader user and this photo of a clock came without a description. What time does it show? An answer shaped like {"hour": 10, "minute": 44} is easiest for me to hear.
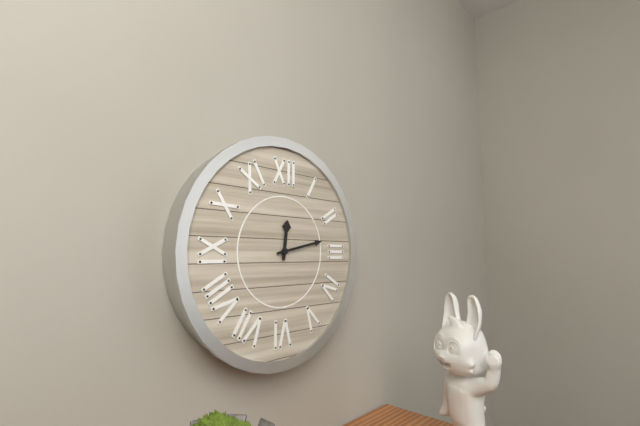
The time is {"hour": 12, "minute": 13}
